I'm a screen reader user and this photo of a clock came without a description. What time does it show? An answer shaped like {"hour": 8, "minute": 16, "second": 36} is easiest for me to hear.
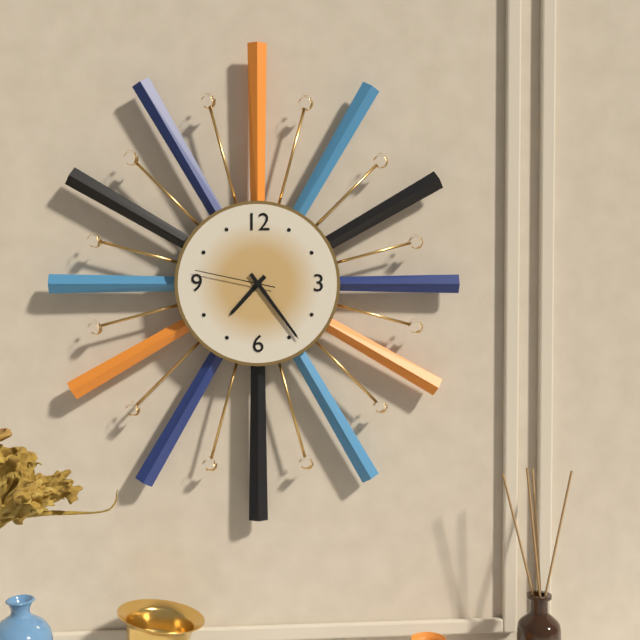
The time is {"hour": 7, "minute": 24, "second": 47}
